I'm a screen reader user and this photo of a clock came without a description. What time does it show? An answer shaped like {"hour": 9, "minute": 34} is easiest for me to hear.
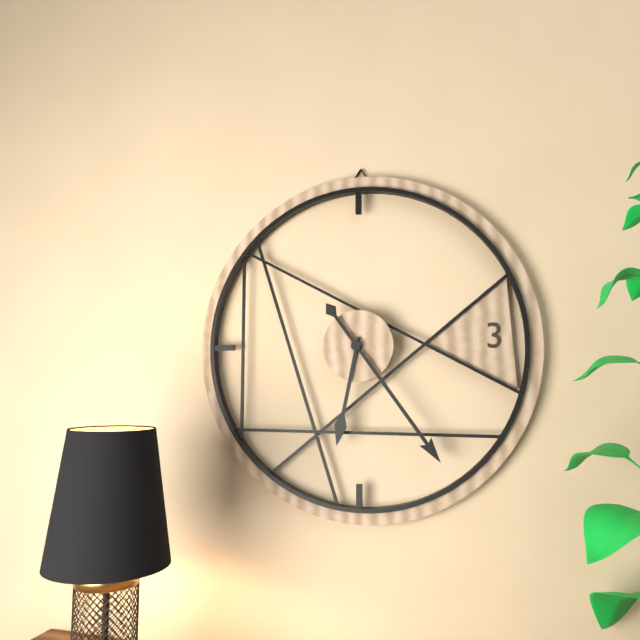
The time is {"hour": 6, "minute": 24}
